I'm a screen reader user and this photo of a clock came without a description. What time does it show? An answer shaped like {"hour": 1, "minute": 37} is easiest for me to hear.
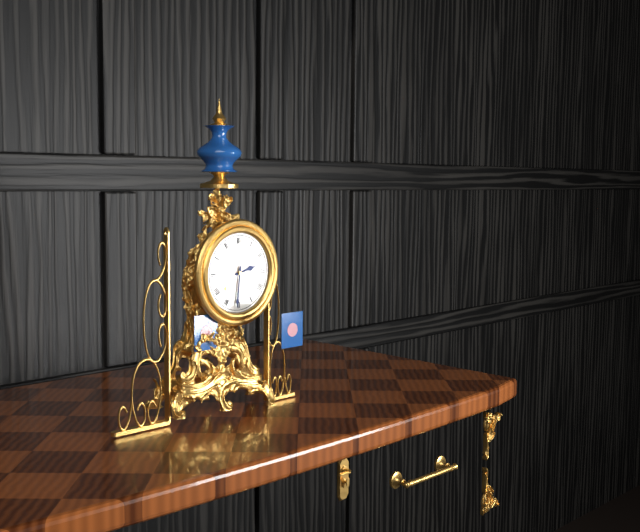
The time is {"hour": 2, "minute": 31}
